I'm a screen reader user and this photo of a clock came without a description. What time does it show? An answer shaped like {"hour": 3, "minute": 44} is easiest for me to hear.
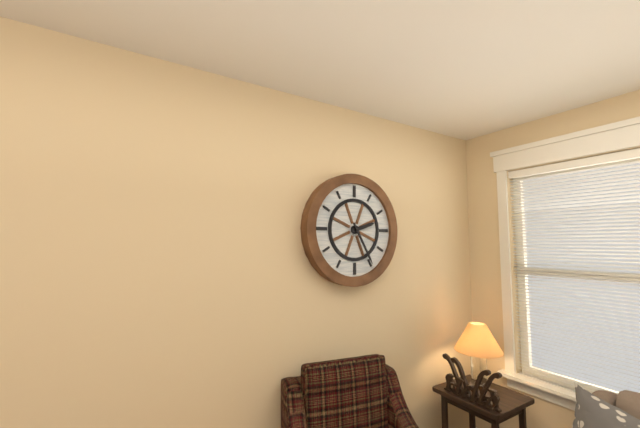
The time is {"hour": 2, "minute": 25}
